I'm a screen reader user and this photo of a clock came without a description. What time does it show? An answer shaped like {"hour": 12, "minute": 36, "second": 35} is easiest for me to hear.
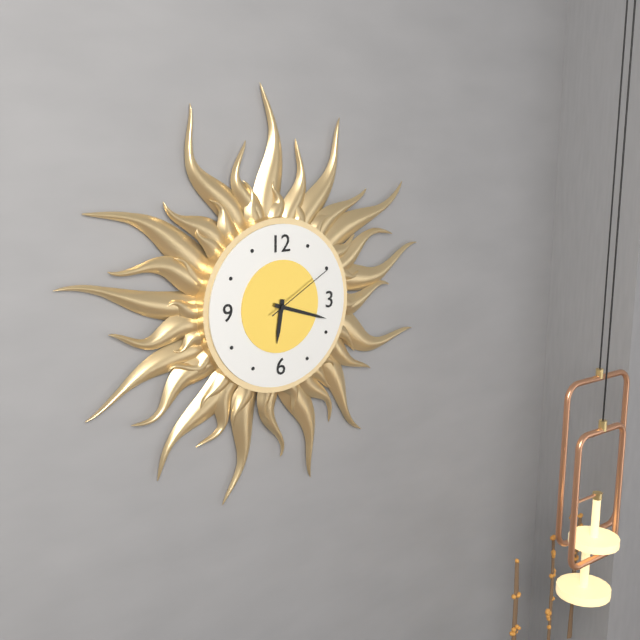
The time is {"hour": 6, "minute": 18, "second": 10}
